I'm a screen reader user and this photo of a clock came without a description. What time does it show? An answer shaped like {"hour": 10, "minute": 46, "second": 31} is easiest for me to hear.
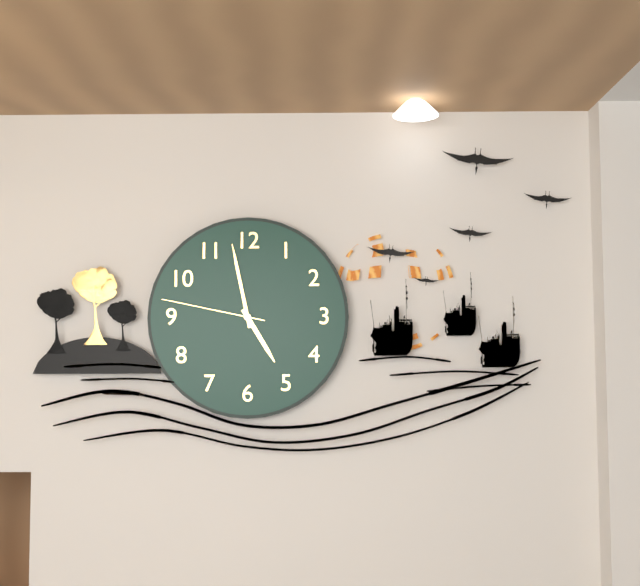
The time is {"hour": 4, "minute": 58, "second": 47}
